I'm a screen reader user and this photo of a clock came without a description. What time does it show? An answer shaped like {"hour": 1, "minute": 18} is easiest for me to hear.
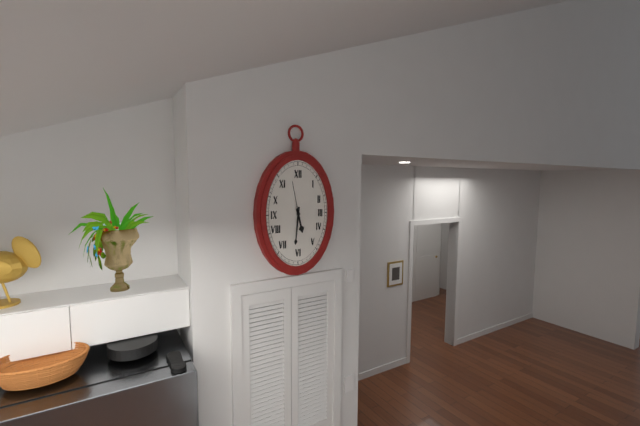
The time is {"hour": 5, "minute": 31}
